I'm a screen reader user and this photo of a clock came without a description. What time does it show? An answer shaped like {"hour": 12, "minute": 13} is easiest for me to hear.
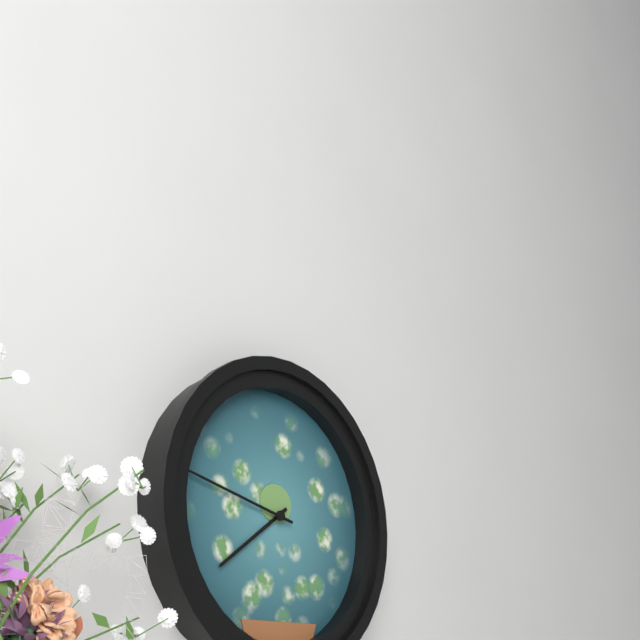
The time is {"hour": 7, "minute": 47}
